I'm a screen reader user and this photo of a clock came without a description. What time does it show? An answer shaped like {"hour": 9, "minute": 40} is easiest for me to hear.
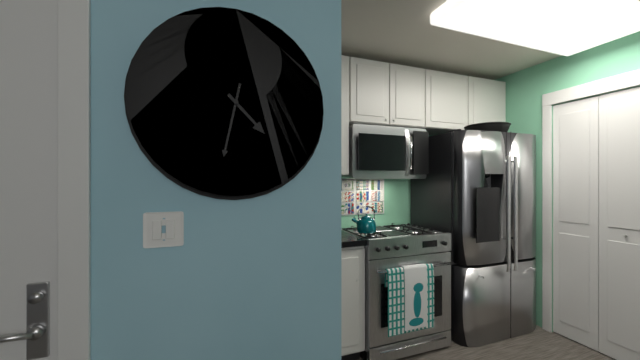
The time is {"hour": 4, "minute": 32}
